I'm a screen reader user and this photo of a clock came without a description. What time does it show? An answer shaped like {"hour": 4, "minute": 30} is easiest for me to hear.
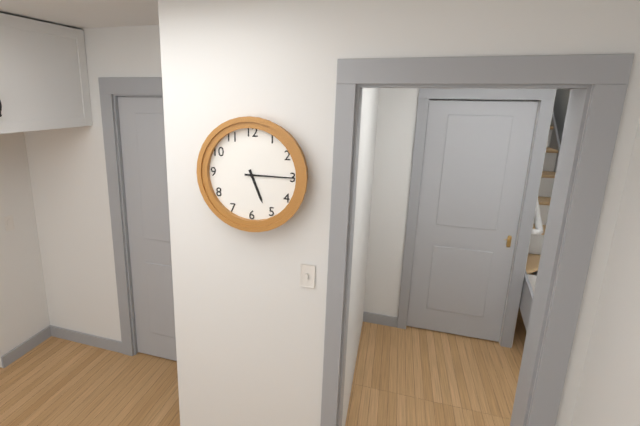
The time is {"hour": 5, "minute": 15}
